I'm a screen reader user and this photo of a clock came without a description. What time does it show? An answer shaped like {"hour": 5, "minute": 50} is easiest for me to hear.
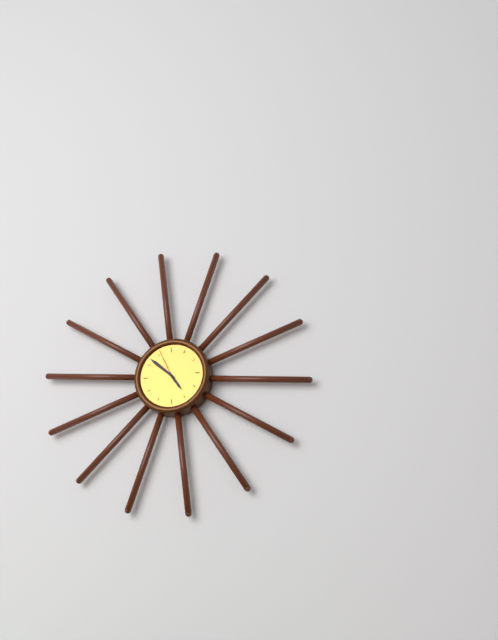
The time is {"hour": 4, "minute": 52}
